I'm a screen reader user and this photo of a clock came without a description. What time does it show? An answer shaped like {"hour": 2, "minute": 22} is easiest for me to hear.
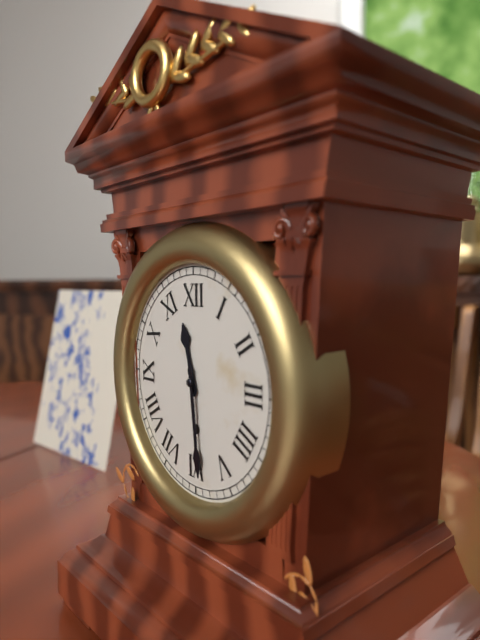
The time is {"hour": 11, "minute": 29}
